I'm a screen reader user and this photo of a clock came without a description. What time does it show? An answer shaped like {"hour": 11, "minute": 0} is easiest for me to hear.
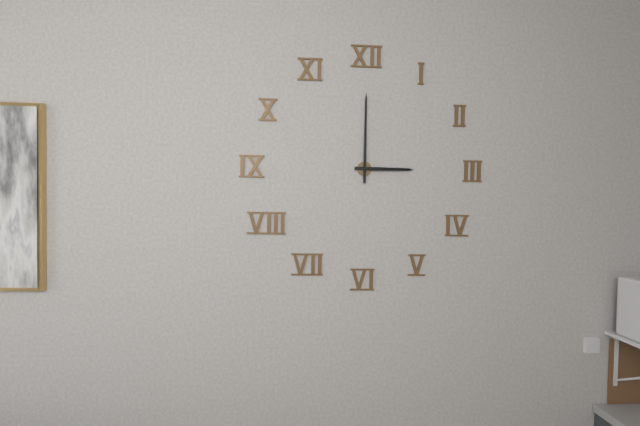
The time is {"hour": 3, "minute": 0}
